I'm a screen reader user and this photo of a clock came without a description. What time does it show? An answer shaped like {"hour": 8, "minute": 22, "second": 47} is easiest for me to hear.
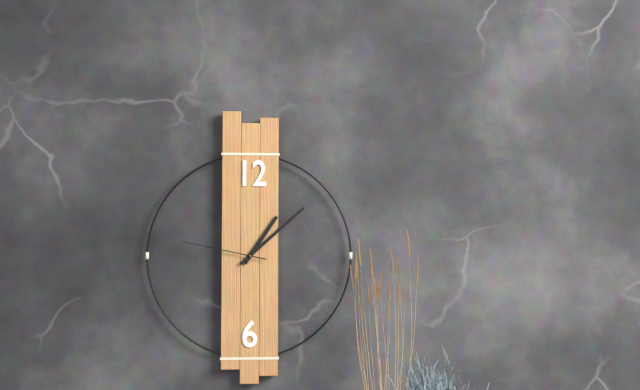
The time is {"hour": 1, "minute": 8, "second": 47}
